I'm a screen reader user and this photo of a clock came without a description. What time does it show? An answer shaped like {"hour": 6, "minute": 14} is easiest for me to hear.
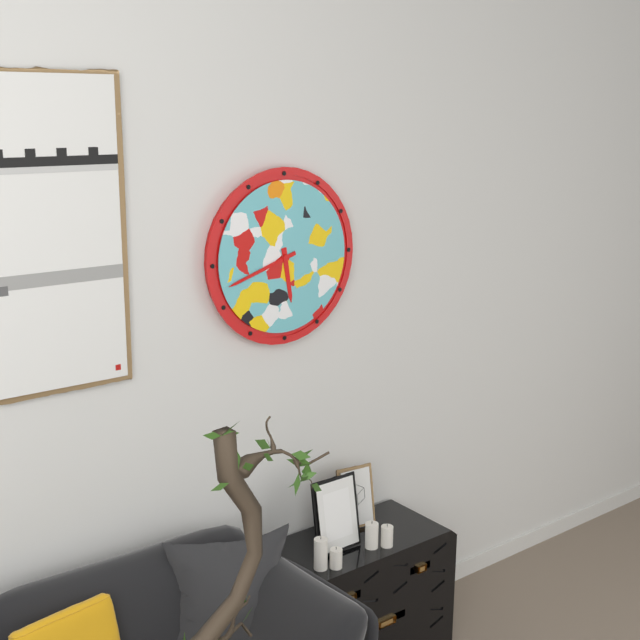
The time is {"hour": 5, "minute": 42}
